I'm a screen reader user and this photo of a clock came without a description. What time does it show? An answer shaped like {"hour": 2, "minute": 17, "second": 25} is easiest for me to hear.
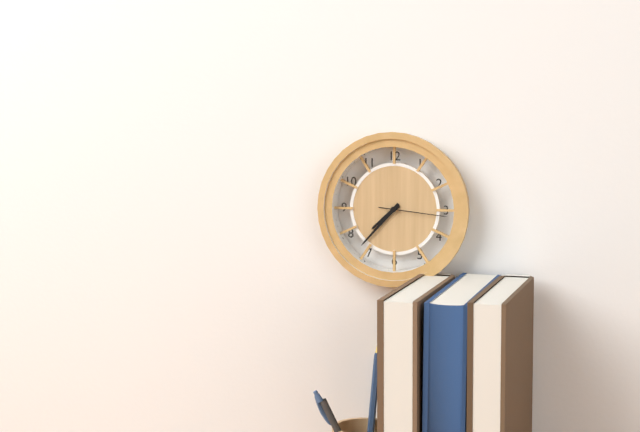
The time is {"hour": 7, "minute": 37, "second": 16}
